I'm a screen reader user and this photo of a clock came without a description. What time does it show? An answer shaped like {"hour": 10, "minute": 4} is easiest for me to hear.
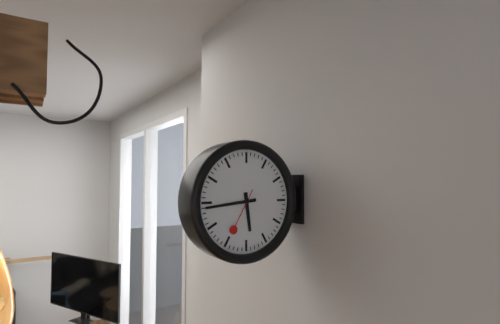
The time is {"hour": 5, "minute": 44}
